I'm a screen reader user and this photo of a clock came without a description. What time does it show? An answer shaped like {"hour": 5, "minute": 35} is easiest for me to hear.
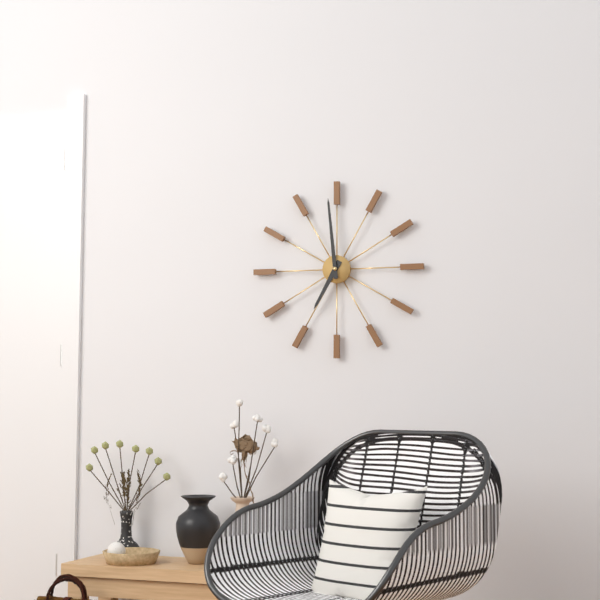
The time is {"hour": 6, "minute": 59}
